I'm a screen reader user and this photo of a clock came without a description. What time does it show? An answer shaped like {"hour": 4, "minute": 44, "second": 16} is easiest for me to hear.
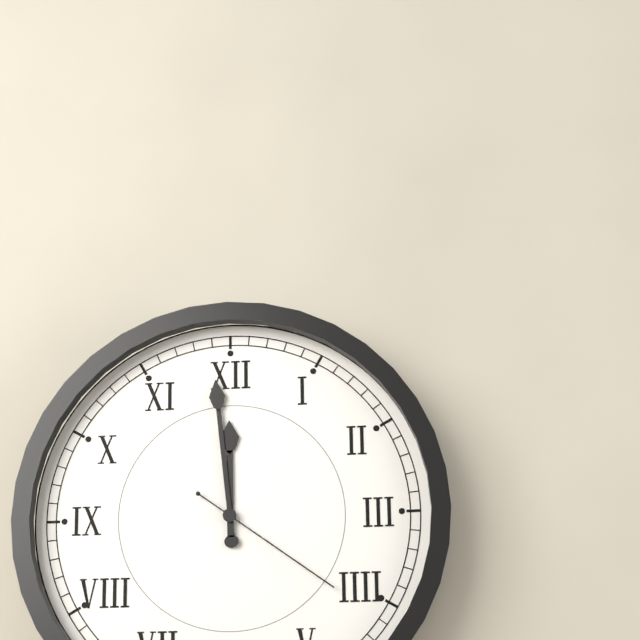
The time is {"hour": 11, "minute": 59, "second": 21}
